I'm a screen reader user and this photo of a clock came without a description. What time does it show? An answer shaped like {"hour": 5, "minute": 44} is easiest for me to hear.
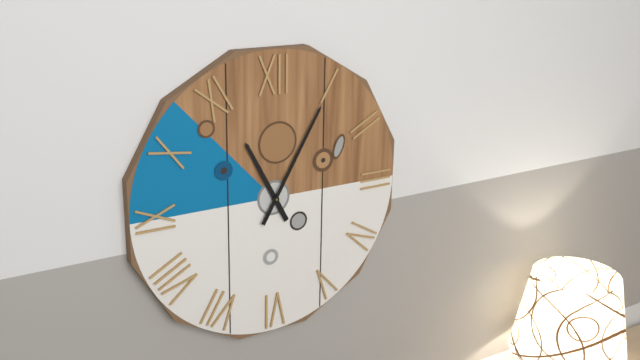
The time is {"hour": 11, "minute": 5}
